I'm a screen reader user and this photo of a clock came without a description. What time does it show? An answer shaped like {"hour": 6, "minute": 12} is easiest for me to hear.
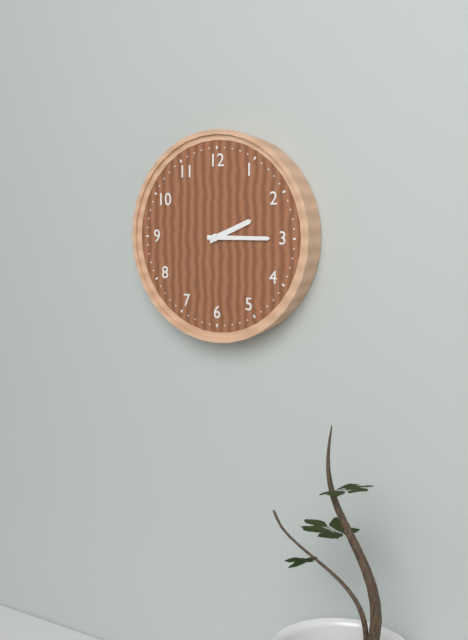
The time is {"hour": 2, "minute": 15}
